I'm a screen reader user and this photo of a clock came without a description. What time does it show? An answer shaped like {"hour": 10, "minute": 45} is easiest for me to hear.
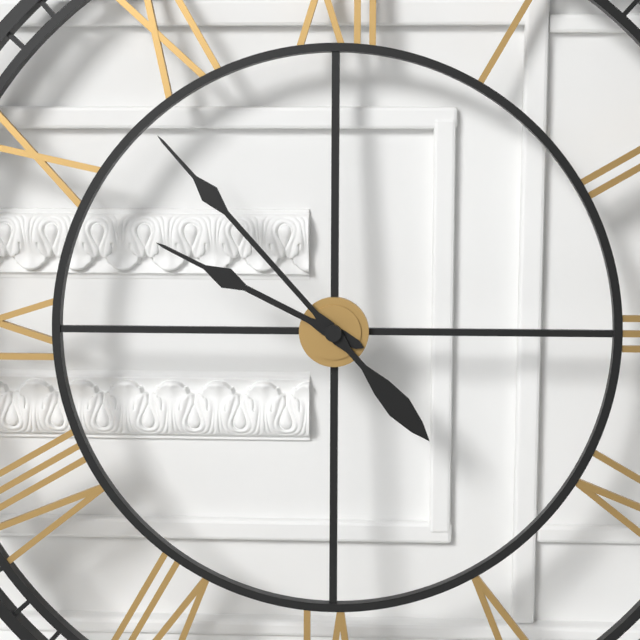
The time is {"hour": 9, "minute": 53}
